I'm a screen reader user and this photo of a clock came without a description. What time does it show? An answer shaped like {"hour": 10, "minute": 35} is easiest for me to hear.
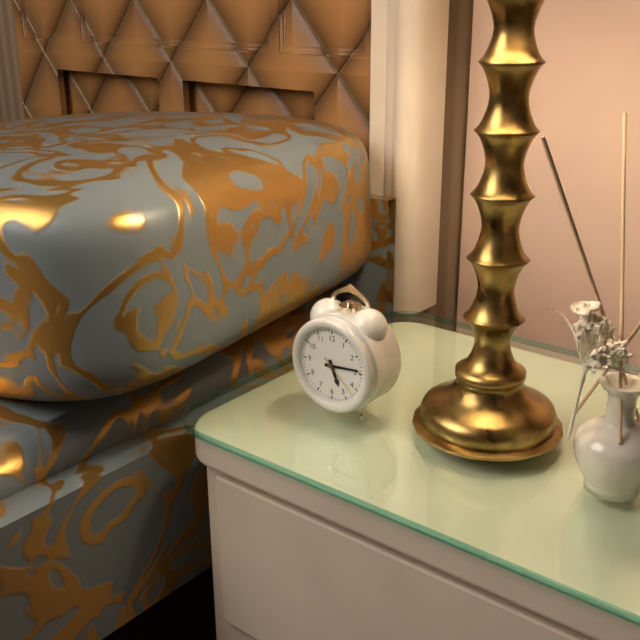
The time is {"hour": 5, "minute": 14}
